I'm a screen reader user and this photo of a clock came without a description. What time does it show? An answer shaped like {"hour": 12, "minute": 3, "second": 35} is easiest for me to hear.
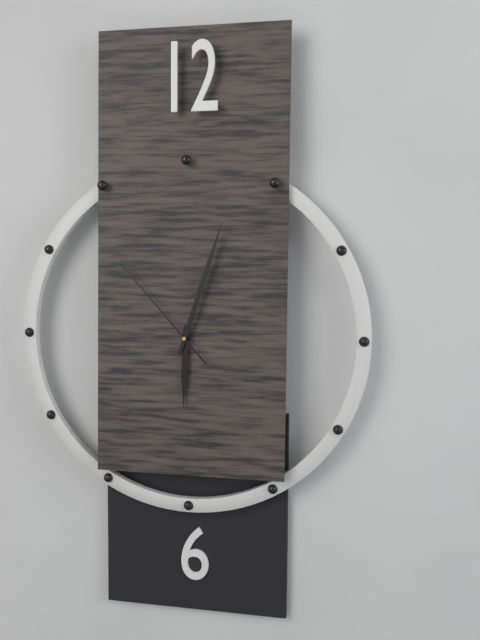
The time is {"hour": 6, "minute": 3, "second": 53}
